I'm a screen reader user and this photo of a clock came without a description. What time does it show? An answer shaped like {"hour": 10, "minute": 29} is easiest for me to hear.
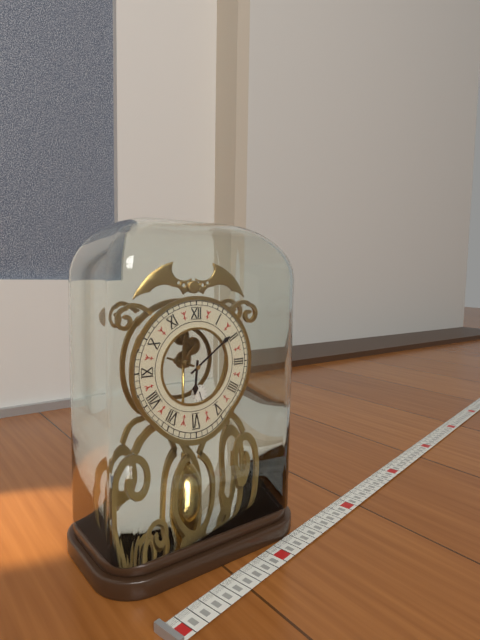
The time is {"hour": 6, "minute": 9}
